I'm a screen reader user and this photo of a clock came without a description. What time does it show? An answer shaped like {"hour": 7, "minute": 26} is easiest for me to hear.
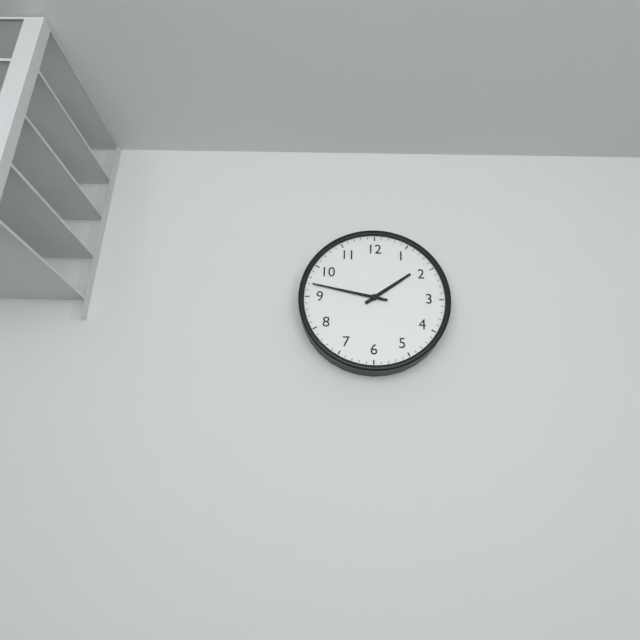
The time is {"hour": 1, "minute": 47}
